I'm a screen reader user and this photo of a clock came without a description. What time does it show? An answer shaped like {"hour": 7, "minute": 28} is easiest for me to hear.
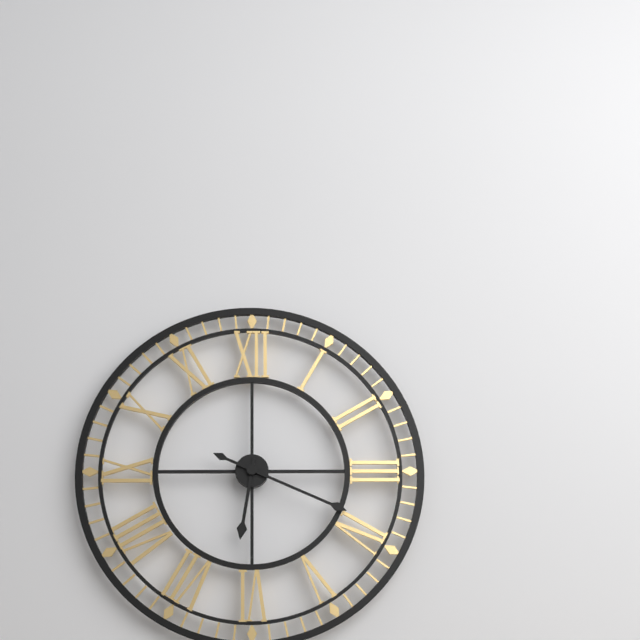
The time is {"hour": 6, "minute": 19}
